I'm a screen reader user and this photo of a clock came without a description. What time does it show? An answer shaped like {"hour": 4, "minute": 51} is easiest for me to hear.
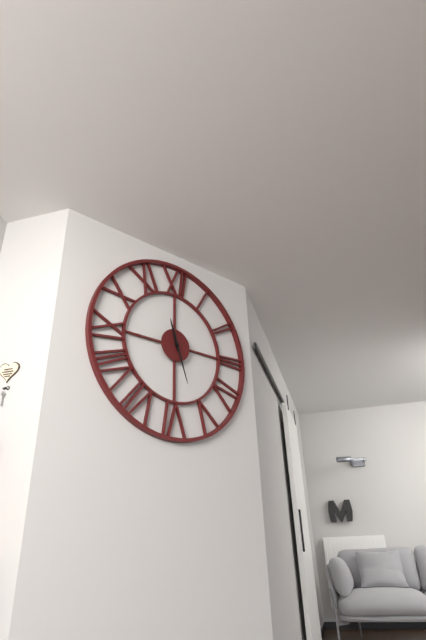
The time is {"hour": 11, "minute": 27}
